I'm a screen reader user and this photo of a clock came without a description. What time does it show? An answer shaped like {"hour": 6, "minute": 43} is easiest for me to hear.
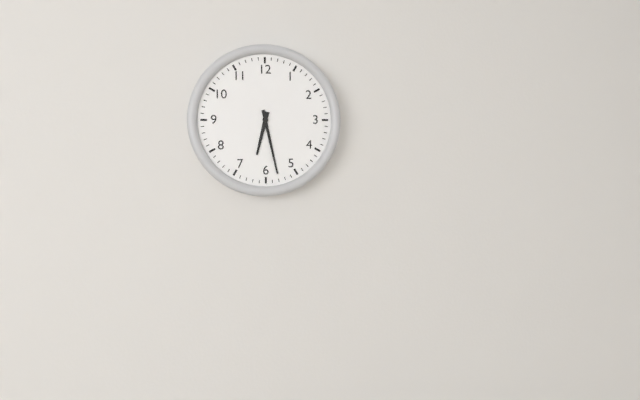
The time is {"hour": 6, "minute": 28}
